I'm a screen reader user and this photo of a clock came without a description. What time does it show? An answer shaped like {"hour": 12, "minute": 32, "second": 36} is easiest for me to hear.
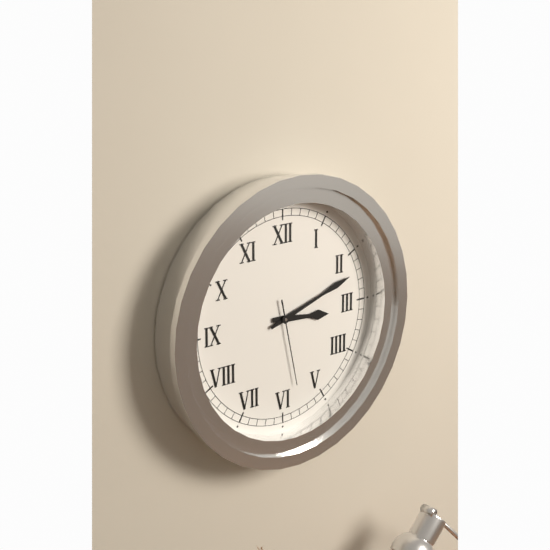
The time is {"hour": 3, "minute": 12, "second": 28}
